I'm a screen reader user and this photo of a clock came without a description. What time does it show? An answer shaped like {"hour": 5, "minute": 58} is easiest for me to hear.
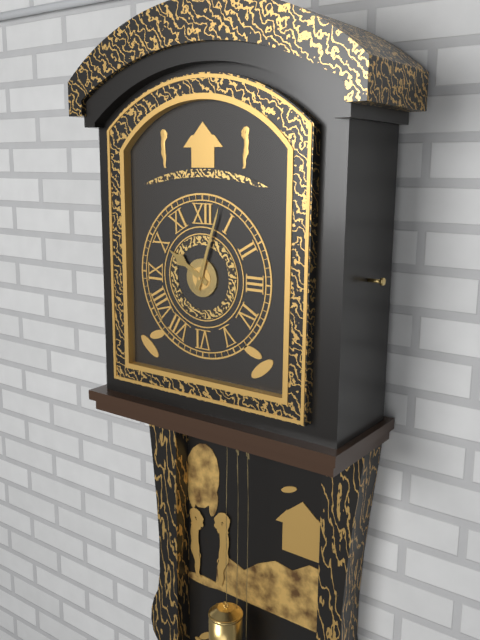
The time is {"hour": 10, "minute": 3}
